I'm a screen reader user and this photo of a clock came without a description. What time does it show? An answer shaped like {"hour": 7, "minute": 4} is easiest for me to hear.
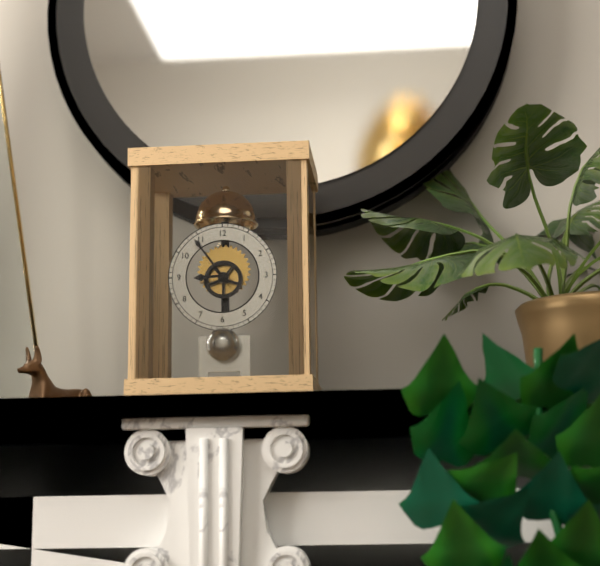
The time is {"hour": 8, "minute": 54}
